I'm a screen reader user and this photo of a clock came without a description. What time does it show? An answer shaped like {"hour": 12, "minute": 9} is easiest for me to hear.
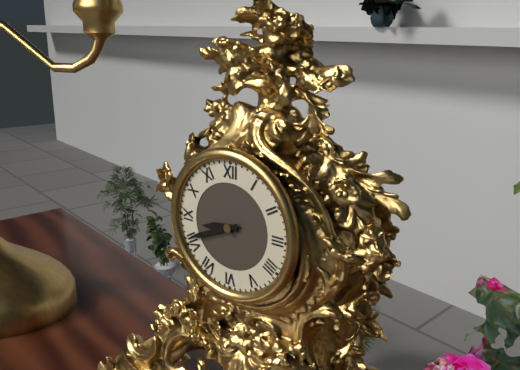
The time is {"hour": 8, "minute": 41}
